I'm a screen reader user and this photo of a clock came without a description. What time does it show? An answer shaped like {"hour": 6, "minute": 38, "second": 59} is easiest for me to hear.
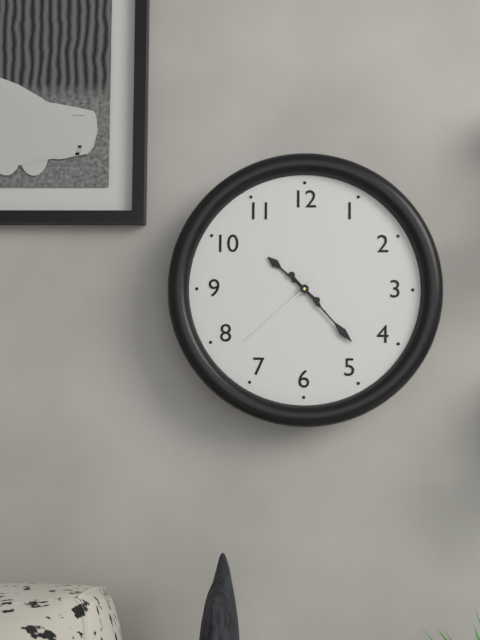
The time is {"hour": 10, "minute": 23, "second": 38}
